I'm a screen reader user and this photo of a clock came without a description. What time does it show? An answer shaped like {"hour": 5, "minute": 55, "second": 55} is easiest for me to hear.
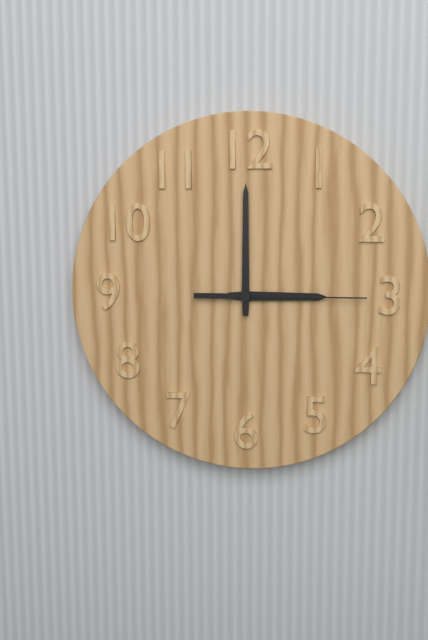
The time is {"hour": 3, "minute": 0, "second": 15}
